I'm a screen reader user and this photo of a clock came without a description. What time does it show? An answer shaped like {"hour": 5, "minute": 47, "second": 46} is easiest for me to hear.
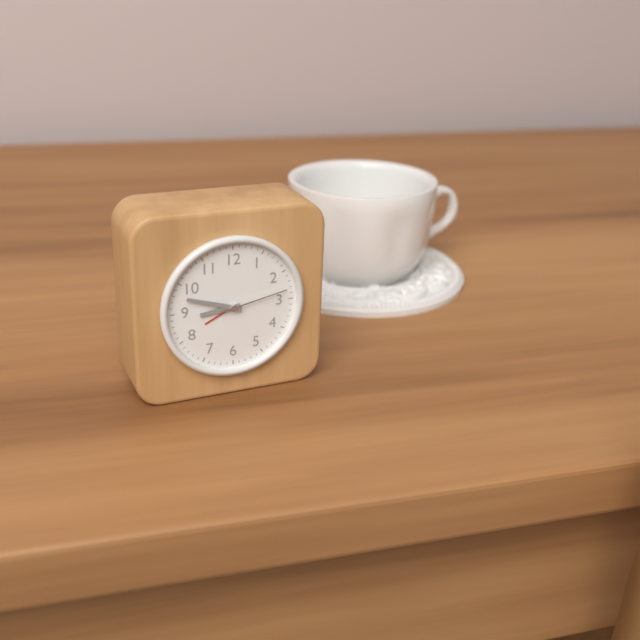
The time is {"hour": 8, "minute": 48, "second": 13}
